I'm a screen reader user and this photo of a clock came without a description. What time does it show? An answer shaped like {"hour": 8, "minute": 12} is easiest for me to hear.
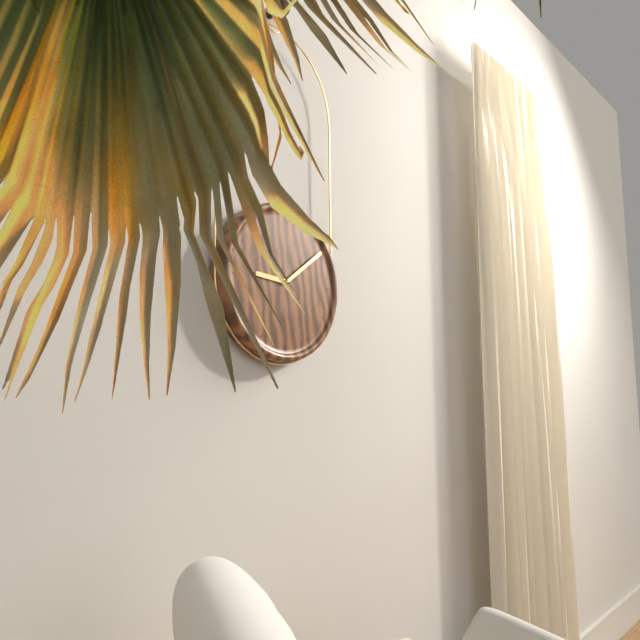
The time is {"hour": 9, "minute": 9}
